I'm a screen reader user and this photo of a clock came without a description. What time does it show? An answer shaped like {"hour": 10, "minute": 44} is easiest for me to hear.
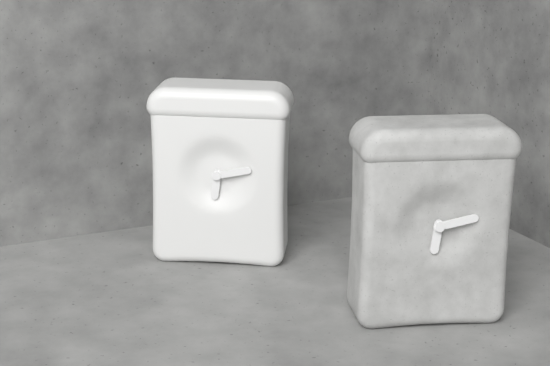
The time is {"hour": 6, "minute": 13}
